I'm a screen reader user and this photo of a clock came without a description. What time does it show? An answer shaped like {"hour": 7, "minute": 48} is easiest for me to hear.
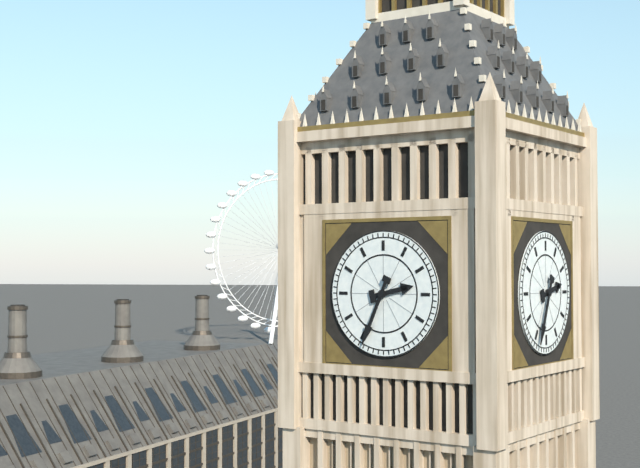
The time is {"hour": 2, "minute": 34}
